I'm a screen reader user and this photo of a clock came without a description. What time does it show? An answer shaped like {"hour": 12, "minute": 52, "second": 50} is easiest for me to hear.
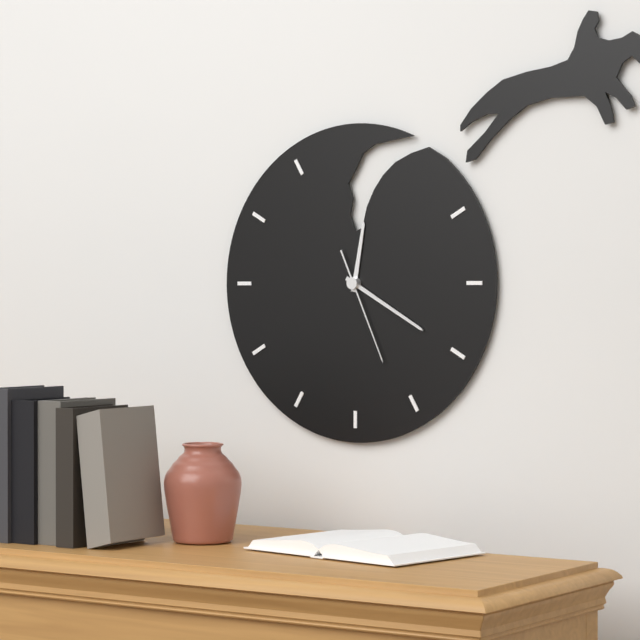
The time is {"hour": 12, "minute": 20, "second": 26}
